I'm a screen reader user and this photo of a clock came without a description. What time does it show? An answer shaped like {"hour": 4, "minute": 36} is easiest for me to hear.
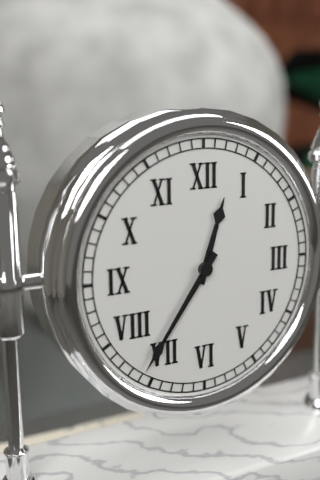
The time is {"hour": 12, "minute": 36}
